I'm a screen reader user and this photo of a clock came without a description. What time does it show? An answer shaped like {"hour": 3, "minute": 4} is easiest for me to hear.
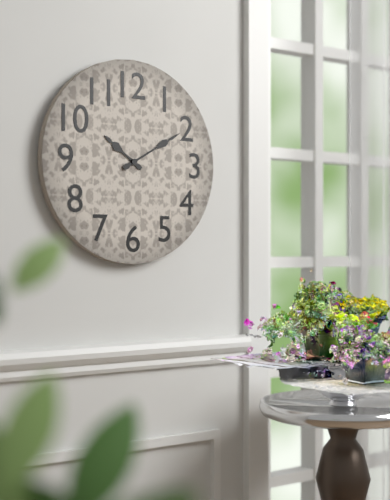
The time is {"hour": 10, "minute": 10}
